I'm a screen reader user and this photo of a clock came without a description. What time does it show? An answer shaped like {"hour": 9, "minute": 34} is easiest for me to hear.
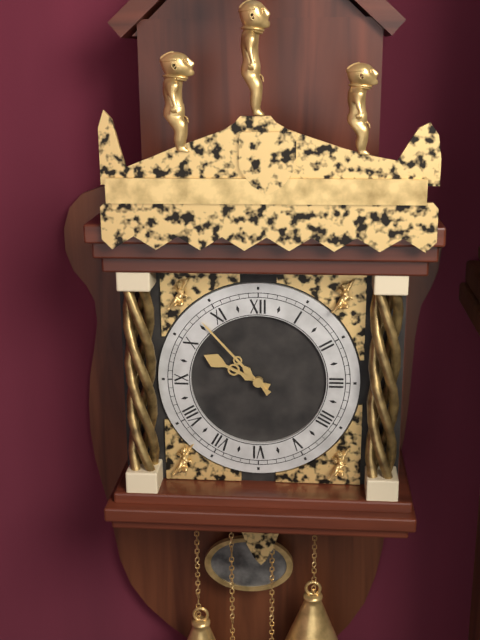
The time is {"hour": 9, "minute": 53}
